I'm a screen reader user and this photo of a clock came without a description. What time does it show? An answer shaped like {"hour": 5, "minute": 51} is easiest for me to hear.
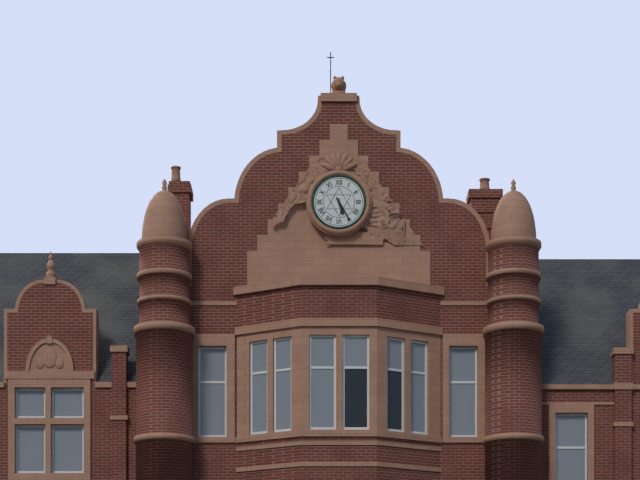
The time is {"hour": 5, "minute": 25}
